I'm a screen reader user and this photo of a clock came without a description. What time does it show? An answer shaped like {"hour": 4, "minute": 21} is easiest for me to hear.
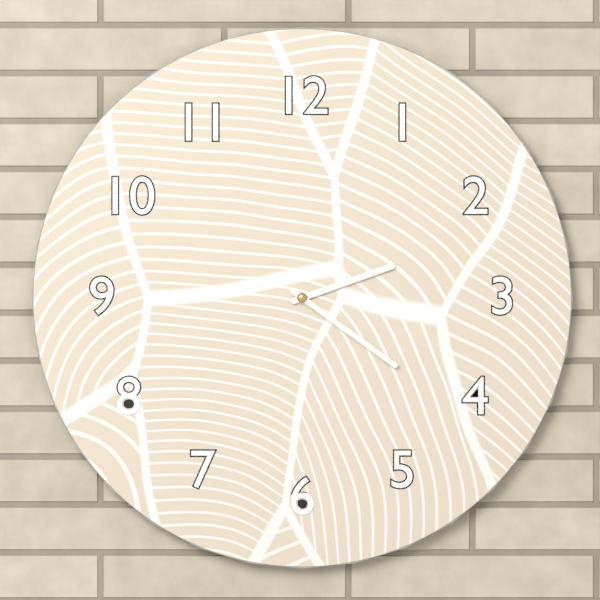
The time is {"hour": 2, "minute": 21}
